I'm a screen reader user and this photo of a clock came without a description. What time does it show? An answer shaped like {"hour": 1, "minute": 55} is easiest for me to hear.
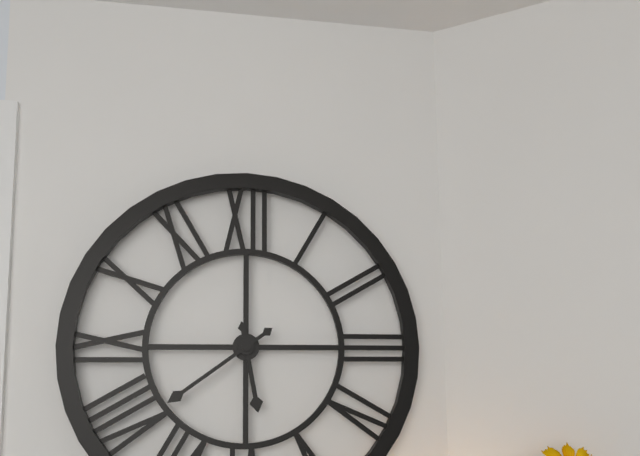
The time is {"hour": 5, "minute": 39}
